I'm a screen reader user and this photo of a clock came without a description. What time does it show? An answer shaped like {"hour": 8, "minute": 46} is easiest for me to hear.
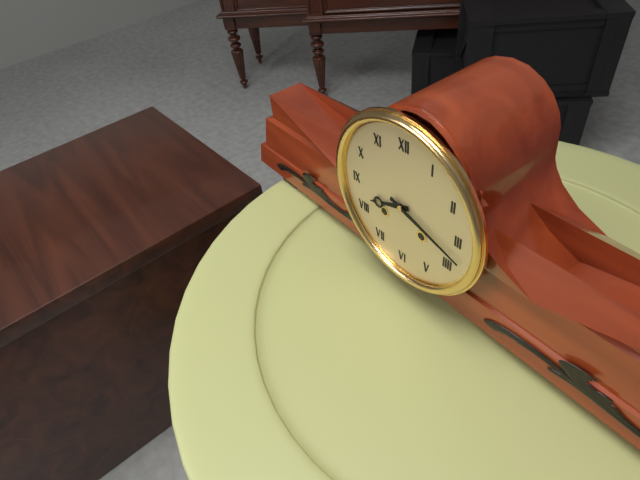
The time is {"hour": 8, "minute": 18}
